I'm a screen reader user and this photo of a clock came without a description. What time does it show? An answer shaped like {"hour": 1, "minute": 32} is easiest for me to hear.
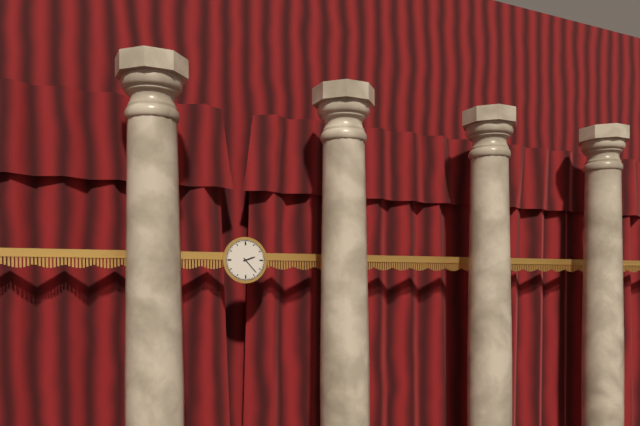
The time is {"hour": 2, "minute": 23}
